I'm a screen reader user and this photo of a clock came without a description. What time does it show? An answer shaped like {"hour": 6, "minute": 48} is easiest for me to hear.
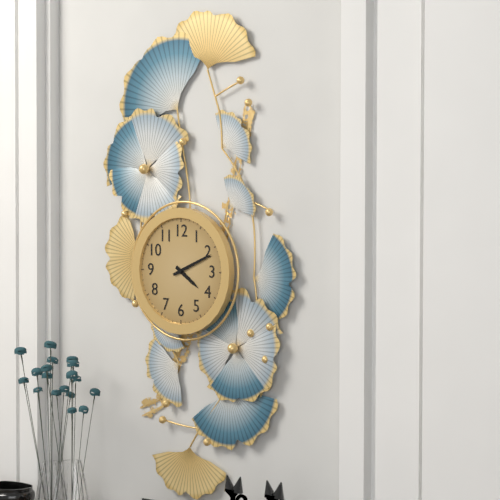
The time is {"hour": 4, "minute": 11}
